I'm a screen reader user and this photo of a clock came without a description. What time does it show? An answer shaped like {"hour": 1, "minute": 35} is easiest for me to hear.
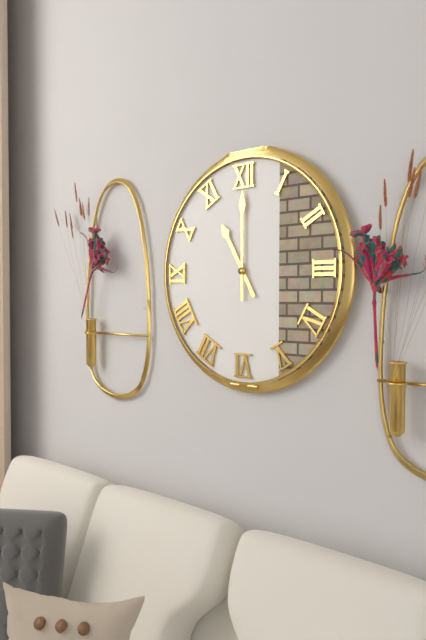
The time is {"hour": 11, "minute": 0}
